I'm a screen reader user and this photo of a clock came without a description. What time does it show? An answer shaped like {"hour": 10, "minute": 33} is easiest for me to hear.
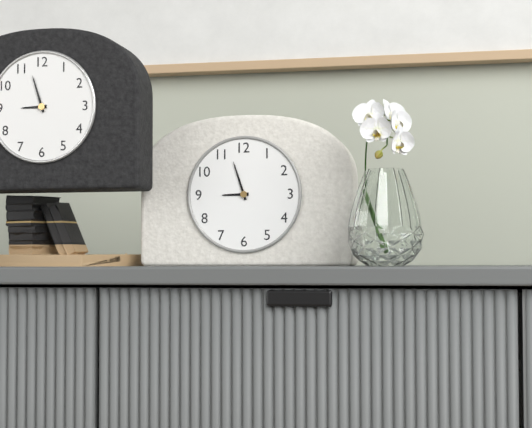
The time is {"hour": 8, "minute": 57}
